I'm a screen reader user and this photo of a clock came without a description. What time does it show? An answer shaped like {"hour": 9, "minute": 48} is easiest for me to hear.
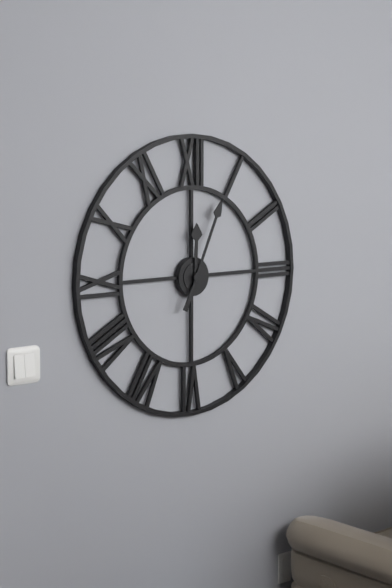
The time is {"hour": 12, "minute": 4}
